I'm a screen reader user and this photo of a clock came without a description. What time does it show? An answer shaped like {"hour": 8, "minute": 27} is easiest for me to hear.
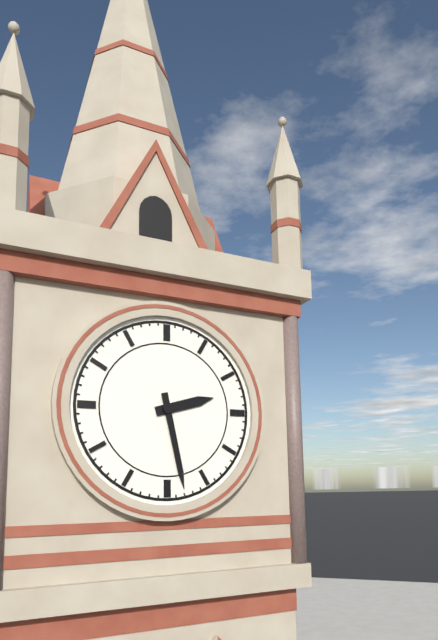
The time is {"hour": 2, "minute": 28}
